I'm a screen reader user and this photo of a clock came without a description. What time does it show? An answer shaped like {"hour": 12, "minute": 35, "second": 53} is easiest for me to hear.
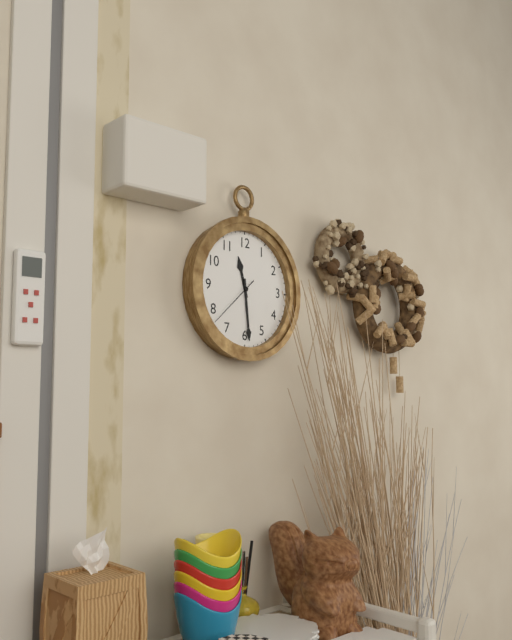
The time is {"hour": 11, "minute": 29, "second": 38}
